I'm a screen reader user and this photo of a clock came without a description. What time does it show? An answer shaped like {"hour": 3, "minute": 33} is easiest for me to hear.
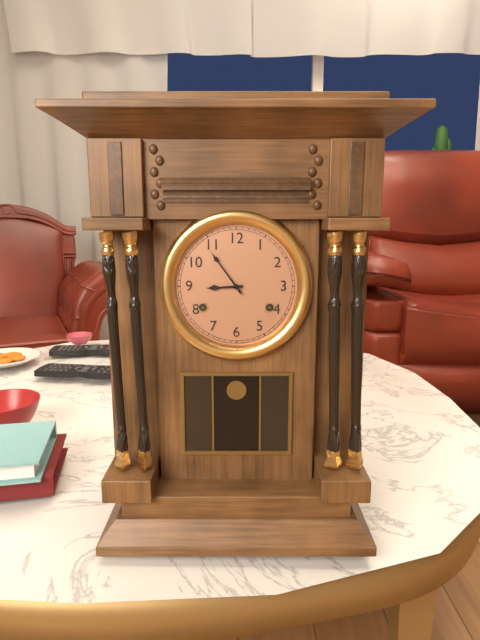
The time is {"hour": 8, "minute": 54}
